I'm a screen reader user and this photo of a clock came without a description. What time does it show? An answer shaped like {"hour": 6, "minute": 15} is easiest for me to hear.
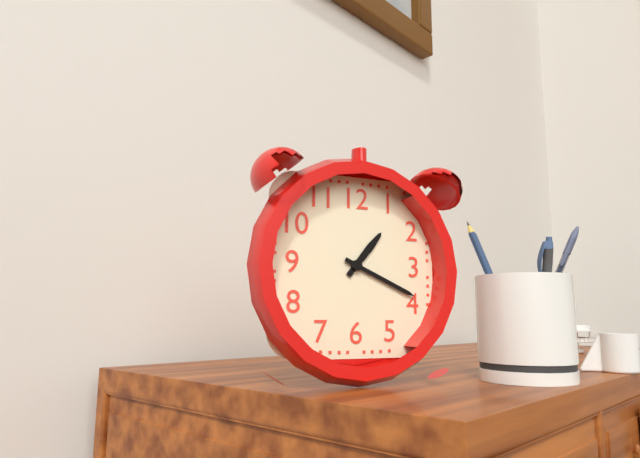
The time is {"hour": 1, "minute": 19}
